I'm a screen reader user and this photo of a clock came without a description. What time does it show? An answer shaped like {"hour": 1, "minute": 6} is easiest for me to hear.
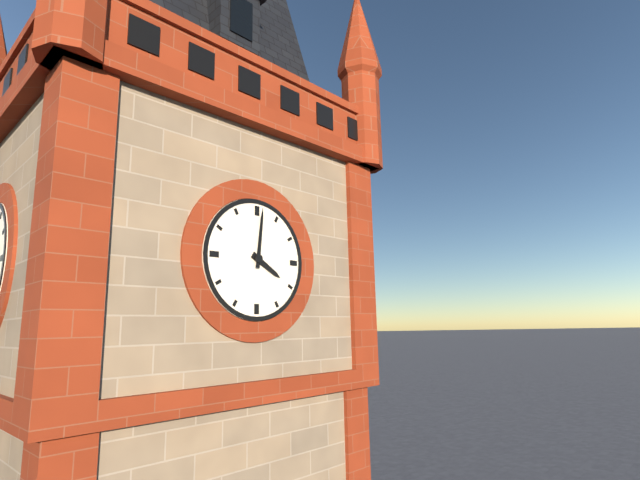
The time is {"hour": 4, "minute": 1}
